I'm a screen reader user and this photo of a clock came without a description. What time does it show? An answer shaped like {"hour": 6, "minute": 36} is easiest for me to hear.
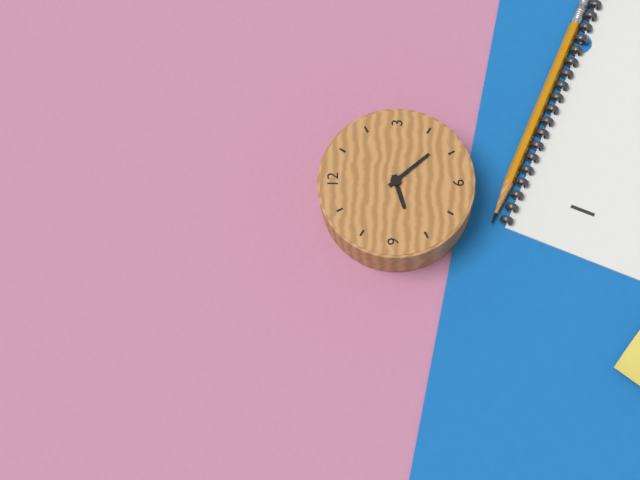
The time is {"hour": 8, "minute": 23}
